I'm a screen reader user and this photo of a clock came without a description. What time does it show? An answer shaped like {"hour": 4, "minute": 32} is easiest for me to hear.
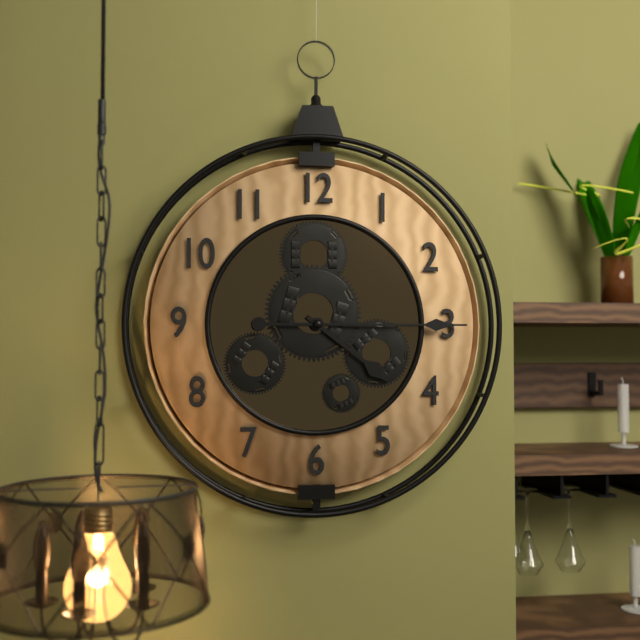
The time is {"hour": 4, "minute": 15}
